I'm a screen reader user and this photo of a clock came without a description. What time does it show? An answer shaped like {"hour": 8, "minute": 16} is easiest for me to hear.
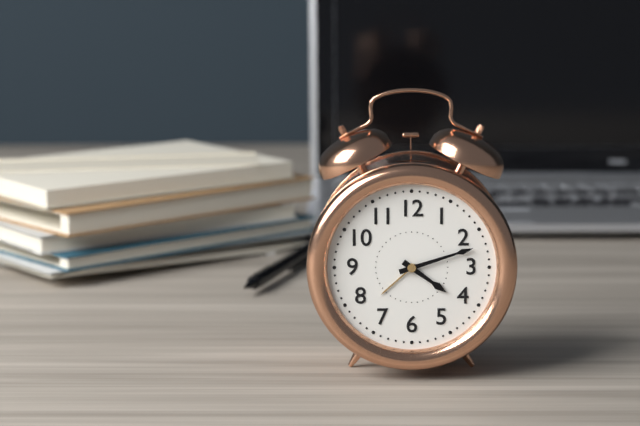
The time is {"hour": 4, "minute": 12}
